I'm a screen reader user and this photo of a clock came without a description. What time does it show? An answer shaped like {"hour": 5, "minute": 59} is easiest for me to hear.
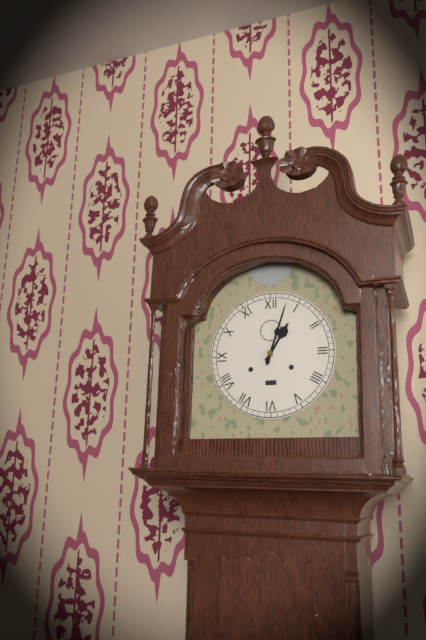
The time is {"hour": 1, "minute": 3}
